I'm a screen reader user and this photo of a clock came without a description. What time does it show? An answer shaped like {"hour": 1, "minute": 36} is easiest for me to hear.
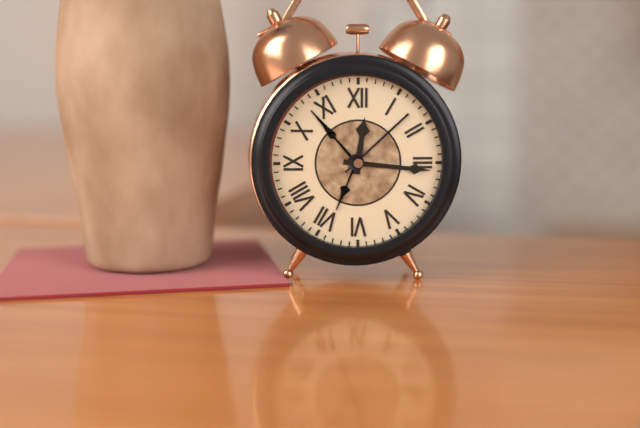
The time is {"hour": 12, "minute": 16}
